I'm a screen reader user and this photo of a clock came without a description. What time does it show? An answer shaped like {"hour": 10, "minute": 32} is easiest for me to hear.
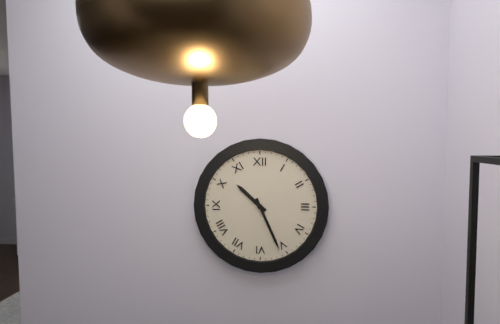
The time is {"hour": 10, "minute": 26}
